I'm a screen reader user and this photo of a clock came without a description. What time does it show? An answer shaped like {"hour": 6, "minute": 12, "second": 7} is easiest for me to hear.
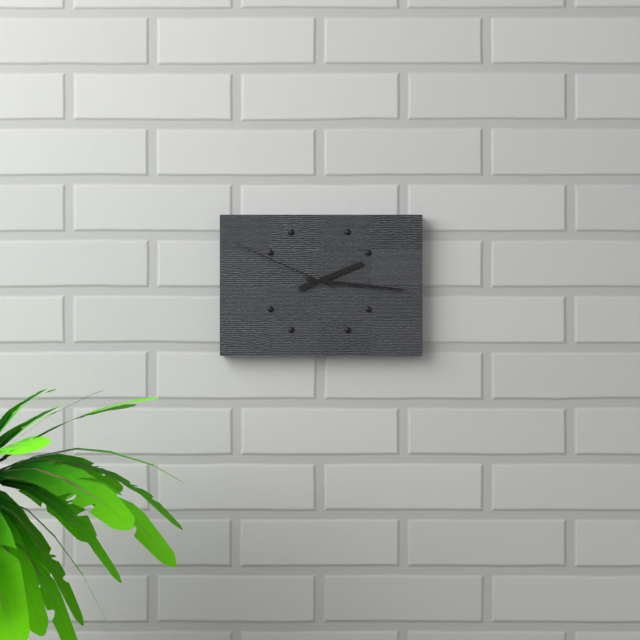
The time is {"hour": 2, "minute": 16, "second": 49}
